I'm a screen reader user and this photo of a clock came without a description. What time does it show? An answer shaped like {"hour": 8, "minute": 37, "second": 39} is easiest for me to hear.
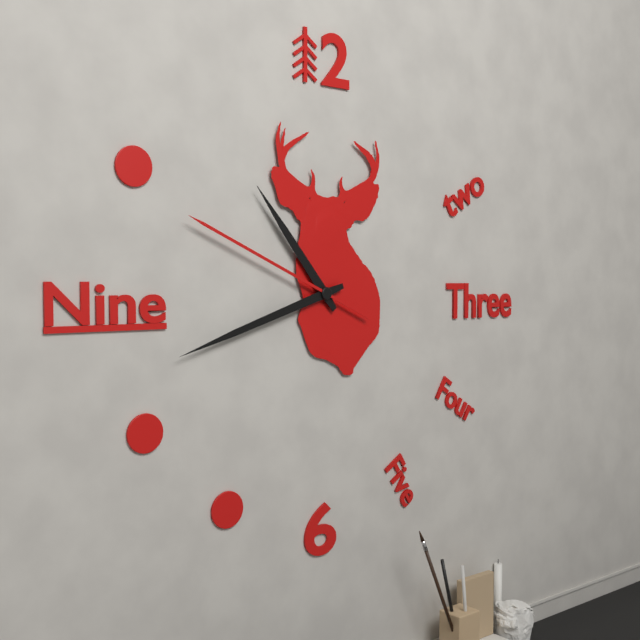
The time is {"hour": 10, "minute": 42, "second": 49}
